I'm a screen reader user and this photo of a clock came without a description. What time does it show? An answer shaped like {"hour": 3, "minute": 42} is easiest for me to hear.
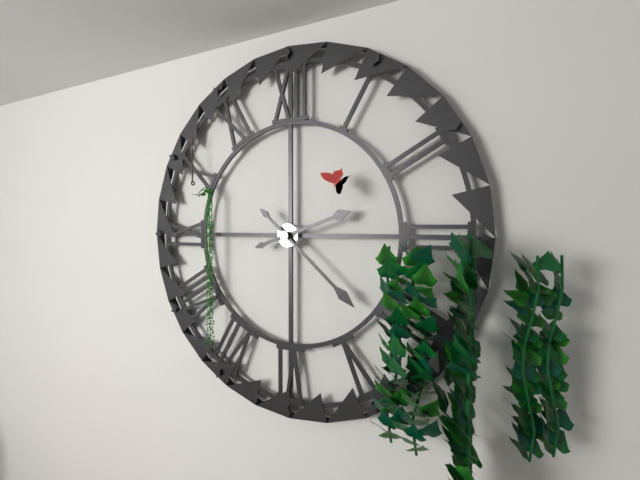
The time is {"hour": 2, "minute": 22}
